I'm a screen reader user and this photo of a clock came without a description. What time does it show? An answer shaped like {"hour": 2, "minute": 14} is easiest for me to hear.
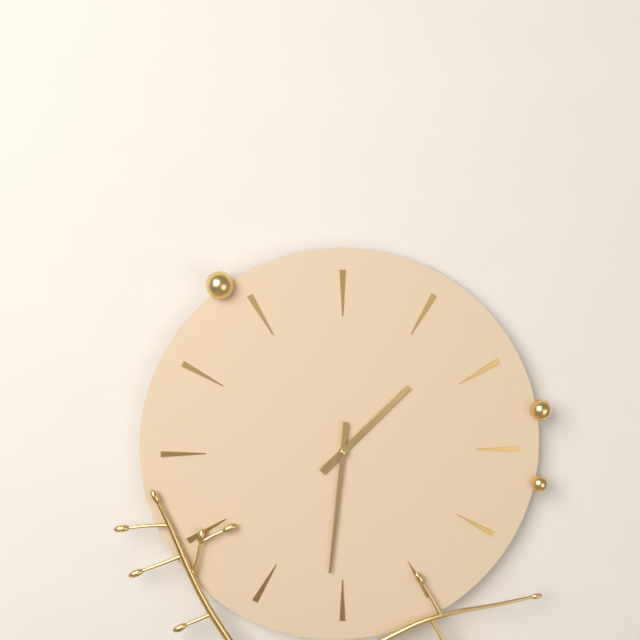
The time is {"hour": 1, "minute": 31}
